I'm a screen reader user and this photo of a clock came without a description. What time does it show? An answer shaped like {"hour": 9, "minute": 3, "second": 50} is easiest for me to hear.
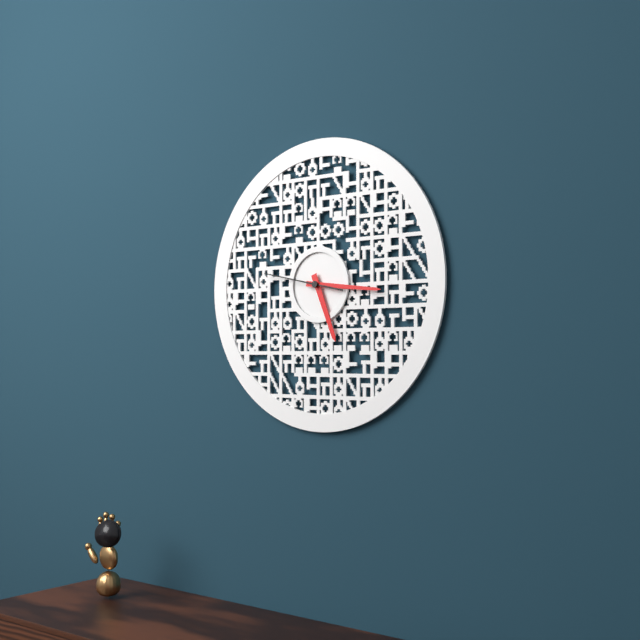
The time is {"hour": 5, "minute": 16, "second": 47}
